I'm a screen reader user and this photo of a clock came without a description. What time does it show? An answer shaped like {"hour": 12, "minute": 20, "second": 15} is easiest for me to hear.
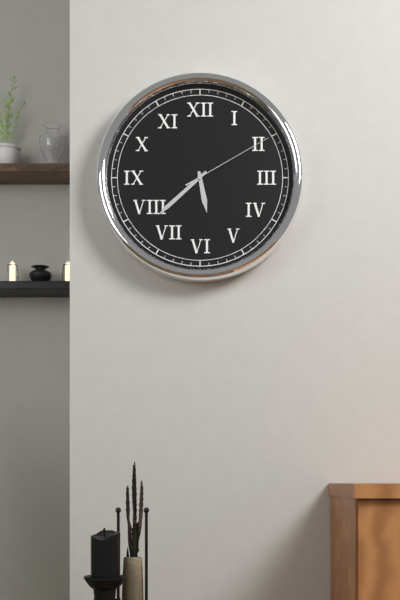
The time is {"hour": 5, "minute": 38, "second": 10}
